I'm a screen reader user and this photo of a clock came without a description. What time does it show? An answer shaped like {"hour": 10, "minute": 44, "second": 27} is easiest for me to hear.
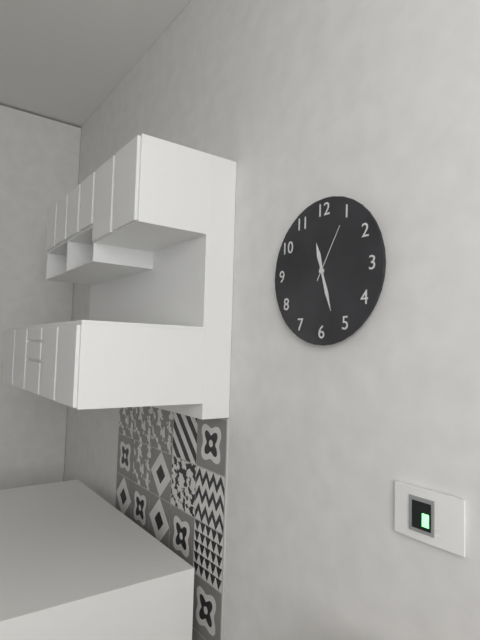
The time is {"hour": 11, "minute": 27, "second": 5}
